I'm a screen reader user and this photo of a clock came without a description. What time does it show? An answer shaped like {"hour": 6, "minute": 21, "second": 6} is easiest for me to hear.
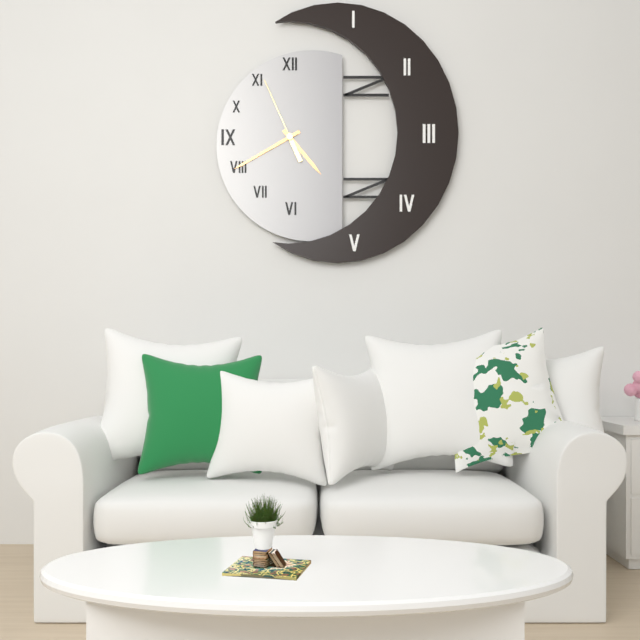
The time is {"hour": 4, "minute": 40, "second": 56}
